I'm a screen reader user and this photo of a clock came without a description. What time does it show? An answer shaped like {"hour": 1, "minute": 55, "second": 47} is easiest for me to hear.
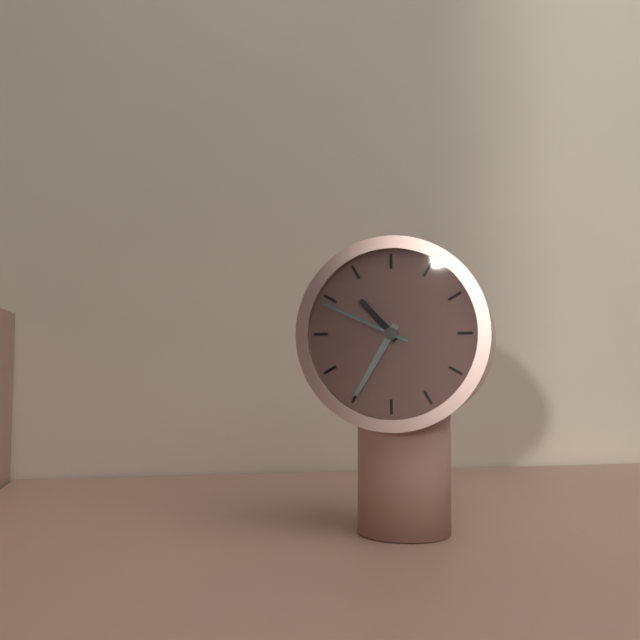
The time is {"hour": 10, "minute": 35, "second": 49}
